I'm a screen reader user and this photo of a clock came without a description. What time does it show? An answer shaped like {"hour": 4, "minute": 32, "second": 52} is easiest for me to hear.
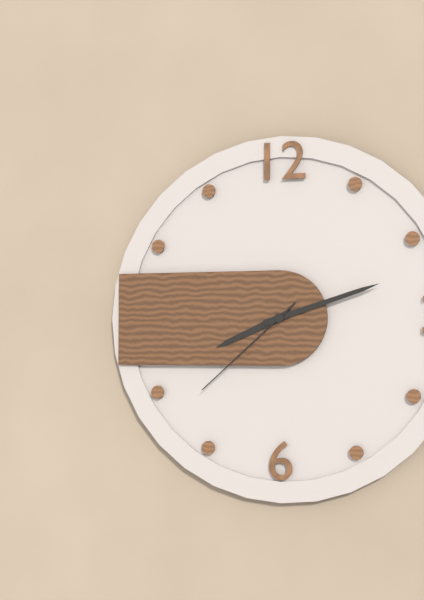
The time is {"hour": 8, "minute": 12, "second": 38}
